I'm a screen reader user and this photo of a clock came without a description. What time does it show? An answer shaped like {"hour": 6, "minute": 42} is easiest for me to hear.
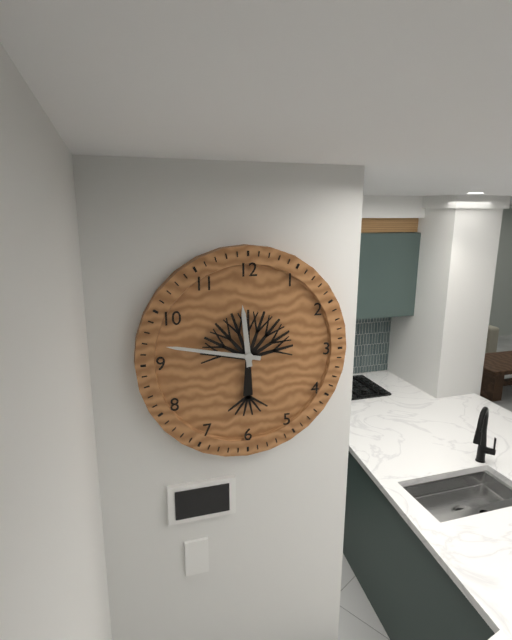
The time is {"hour": 11, "minute": 47}
